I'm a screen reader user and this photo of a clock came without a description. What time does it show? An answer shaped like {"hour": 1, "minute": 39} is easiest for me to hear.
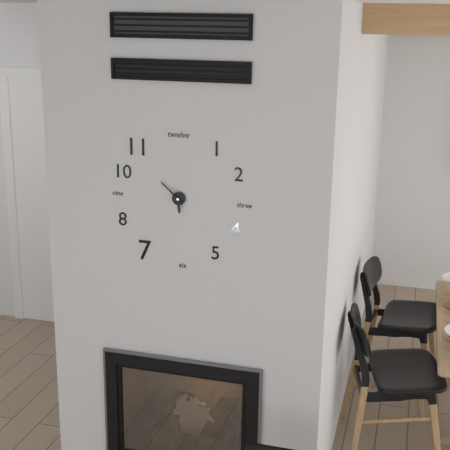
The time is {"hour": 5, "minute": 52}
